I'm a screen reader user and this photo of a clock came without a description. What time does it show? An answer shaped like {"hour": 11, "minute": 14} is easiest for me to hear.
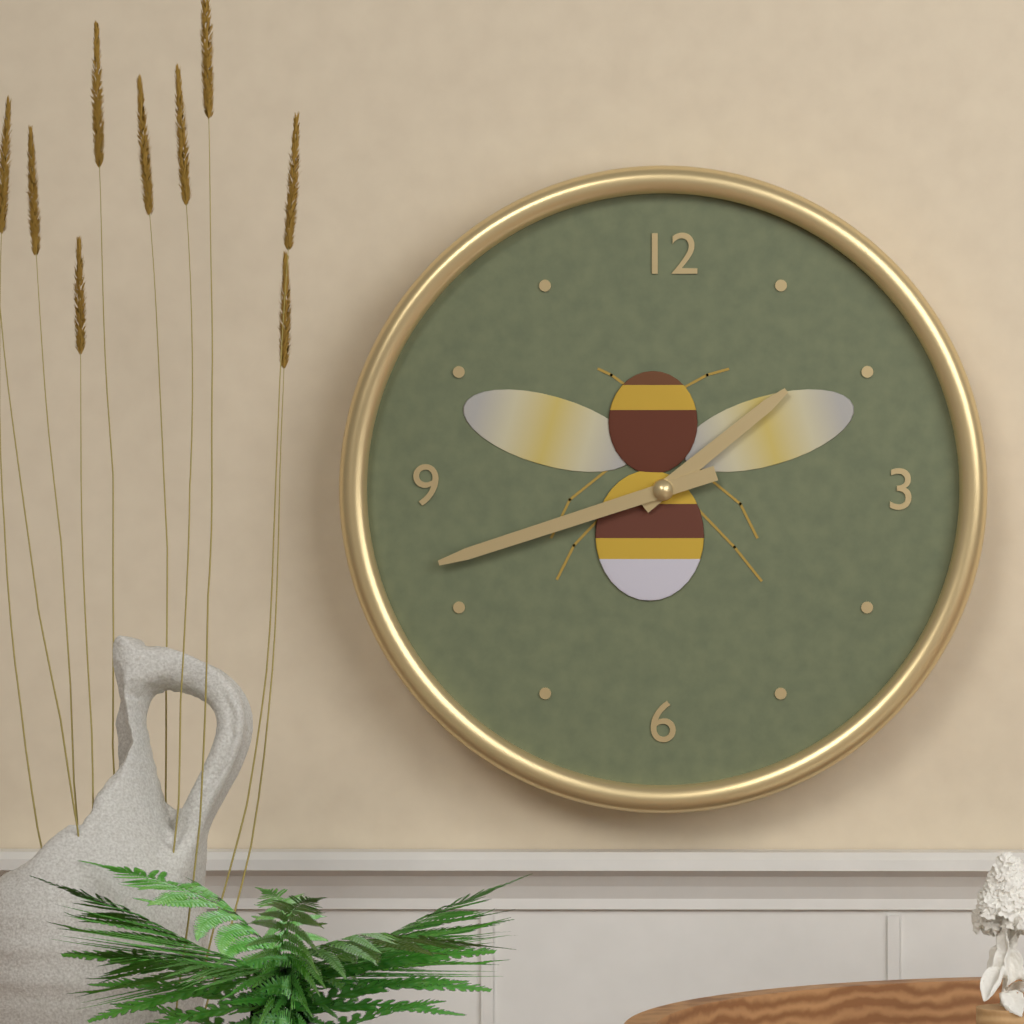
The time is {"hour": 1, "minute": 42}
